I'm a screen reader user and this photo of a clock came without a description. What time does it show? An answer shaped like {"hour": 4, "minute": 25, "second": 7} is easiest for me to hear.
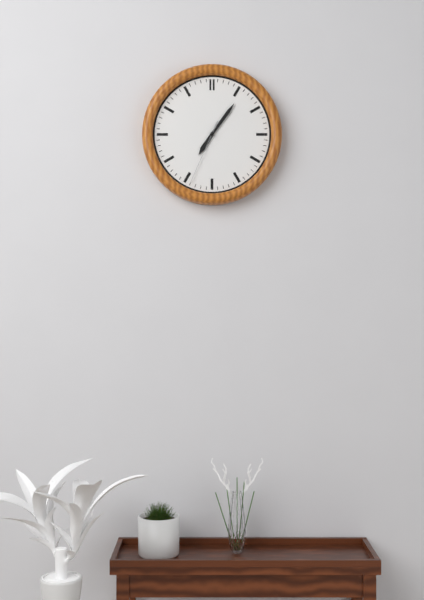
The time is {"hour": 7, "minute": 6, "second": 34}
